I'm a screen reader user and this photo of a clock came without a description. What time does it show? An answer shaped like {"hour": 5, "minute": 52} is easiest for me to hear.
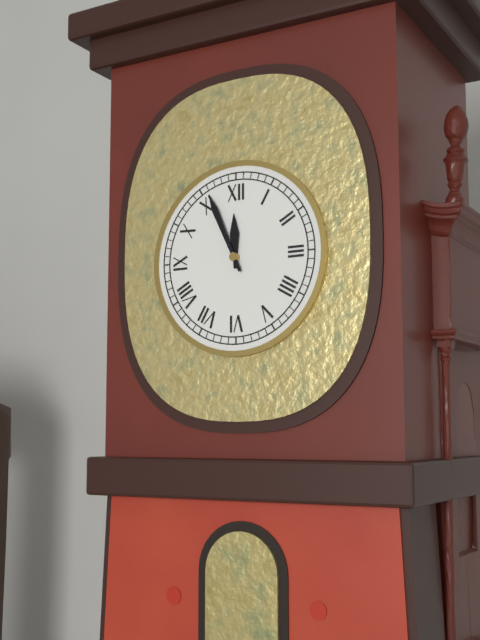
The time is {"hour": 11, "minute": 56}
